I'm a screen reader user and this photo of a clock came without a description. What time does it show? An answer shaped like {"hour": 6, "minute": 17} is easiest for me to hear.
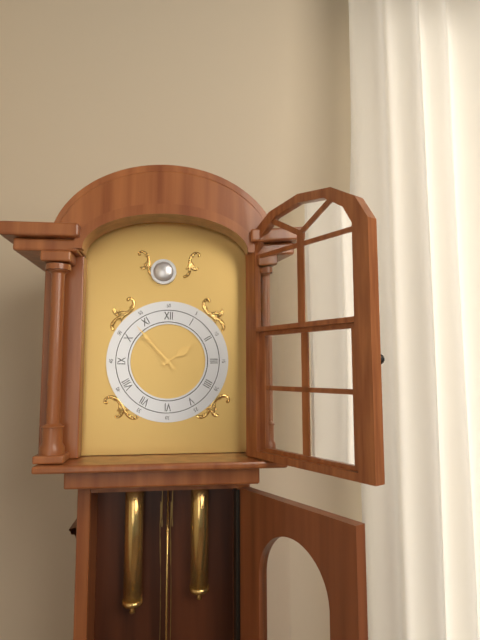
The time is {"hour": 1, "minute": 53}
